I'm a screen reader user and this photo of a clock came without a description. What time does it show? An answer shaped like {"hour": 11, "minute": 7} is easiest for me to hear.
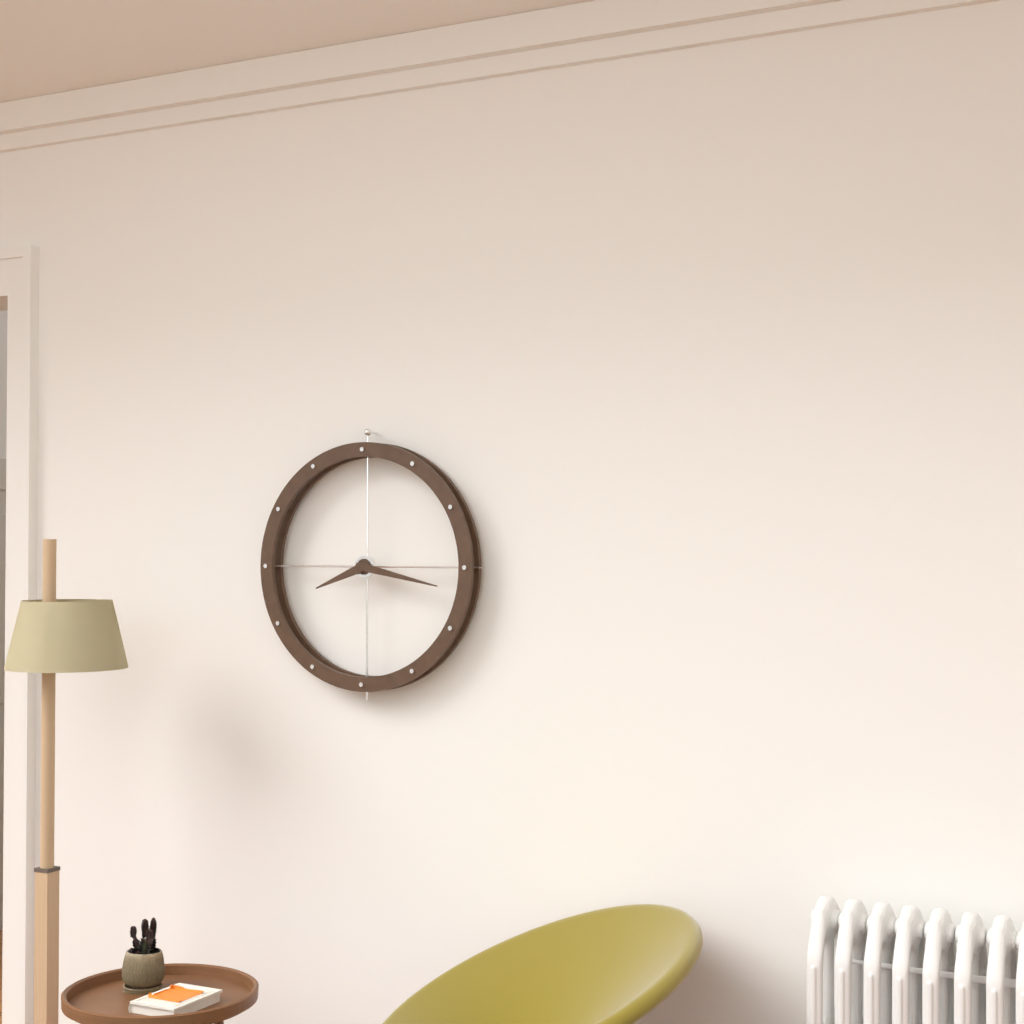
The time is {"hour": 8, "minute": 17}
